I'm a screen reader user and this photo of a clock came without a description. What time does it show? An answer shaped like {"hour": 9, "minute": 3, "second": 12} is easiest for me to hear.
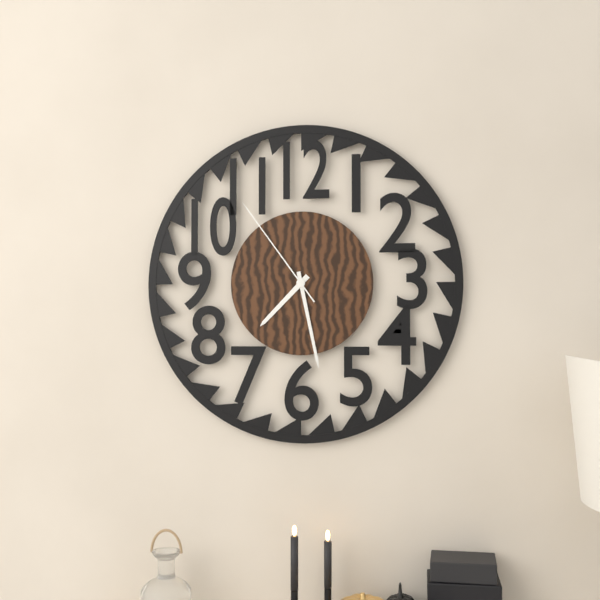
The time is {"hour": 7, "minute": 28, "second": 54}
